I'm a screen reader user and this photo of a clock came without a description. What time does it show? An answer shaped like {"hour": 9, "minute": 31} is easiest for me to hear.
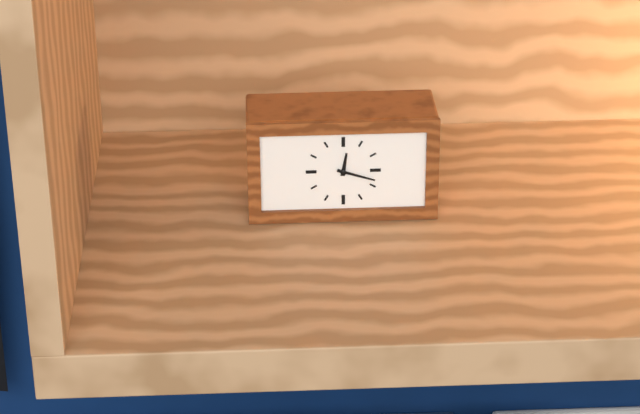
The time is {"hour": 12, "minute": 18}
